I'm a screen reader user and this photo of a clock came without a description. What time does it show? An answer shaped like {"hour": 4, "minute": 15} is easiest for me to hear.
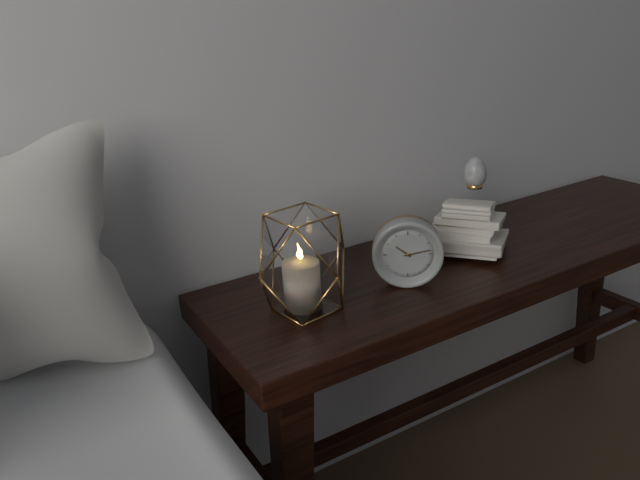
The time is {"hour": 10, "minute": 13}
